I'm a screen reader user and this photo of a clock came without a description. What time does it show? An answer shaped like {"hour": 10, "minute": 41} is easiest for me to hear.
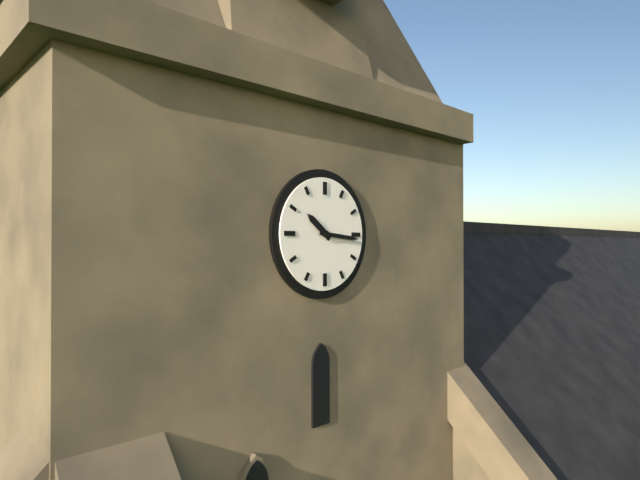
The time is {"hour": 10, "minute": 16}
